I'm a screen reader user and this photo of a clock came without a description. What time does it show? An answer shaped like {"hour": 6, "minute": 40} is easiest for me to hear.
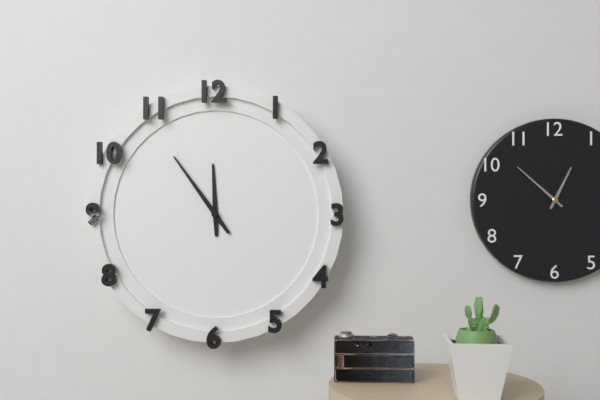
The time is {"hour": 11, "minute": 54}
